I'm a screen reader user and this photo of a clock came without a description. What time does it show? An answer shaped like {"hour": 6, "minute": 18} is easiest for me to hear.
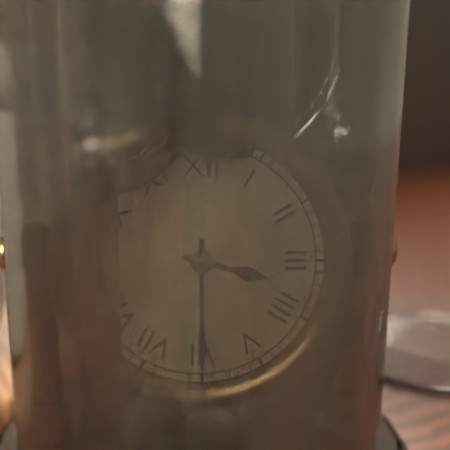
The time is {"hour": 3, "minute": 30}
